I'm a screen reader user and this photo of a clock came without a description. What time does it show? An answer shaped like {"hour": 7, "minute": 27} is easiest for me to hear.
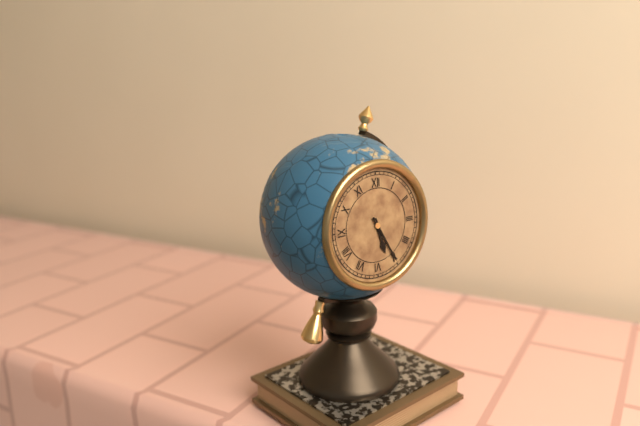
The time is {"hour": 5, "minute": 25}
